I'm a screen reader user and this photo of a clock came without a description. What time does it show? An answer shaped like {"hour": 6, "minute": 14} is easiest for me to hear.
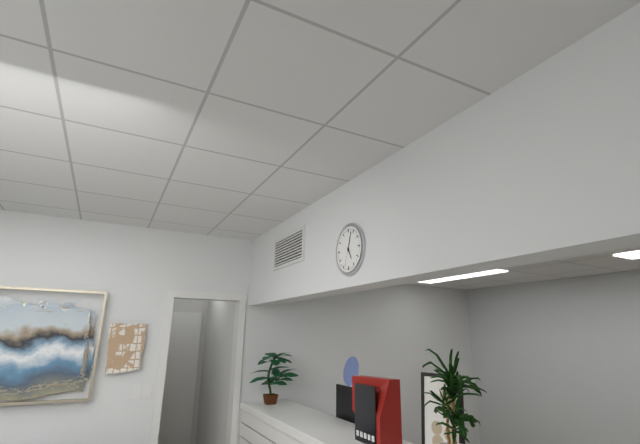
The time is {"hour": 5, "minute": 3}
